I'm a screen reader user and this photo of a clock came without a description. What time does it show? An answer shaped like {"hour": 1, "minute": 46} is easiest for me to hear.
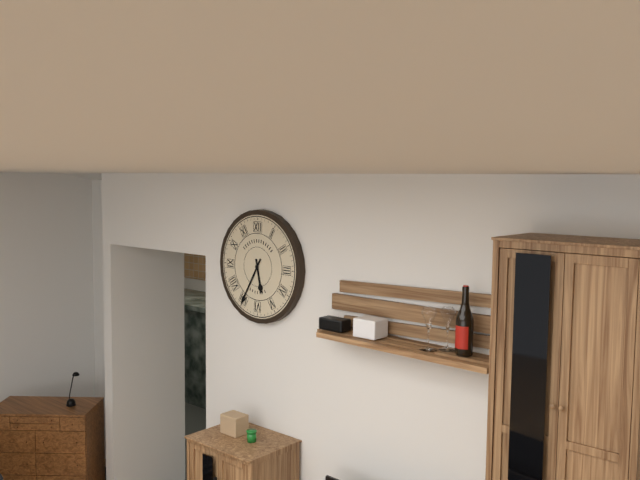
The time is {"hour": 5, "minute": 35}
